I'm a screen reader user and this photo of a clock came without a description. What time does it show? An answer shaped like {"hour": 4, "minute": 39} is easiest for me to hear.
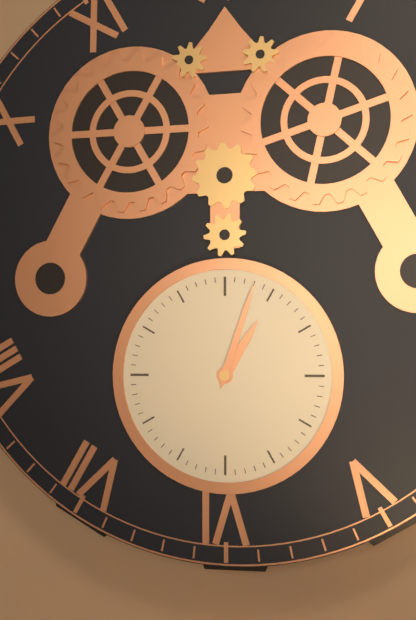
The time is {"hour": 1, "minute": 3}
